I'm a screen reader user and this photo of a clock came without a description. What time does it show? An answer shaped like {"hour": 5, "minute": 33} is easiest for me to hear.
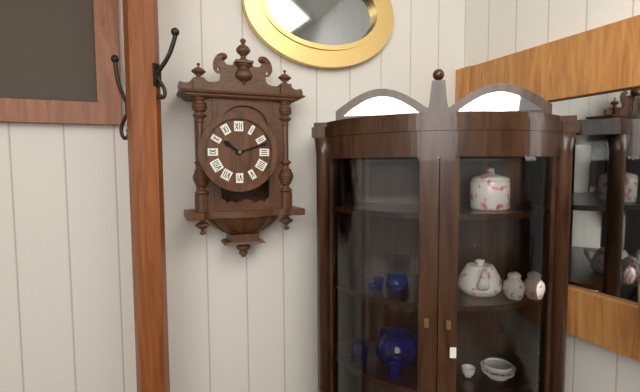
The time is {"hour": 10, "minute": 12}
